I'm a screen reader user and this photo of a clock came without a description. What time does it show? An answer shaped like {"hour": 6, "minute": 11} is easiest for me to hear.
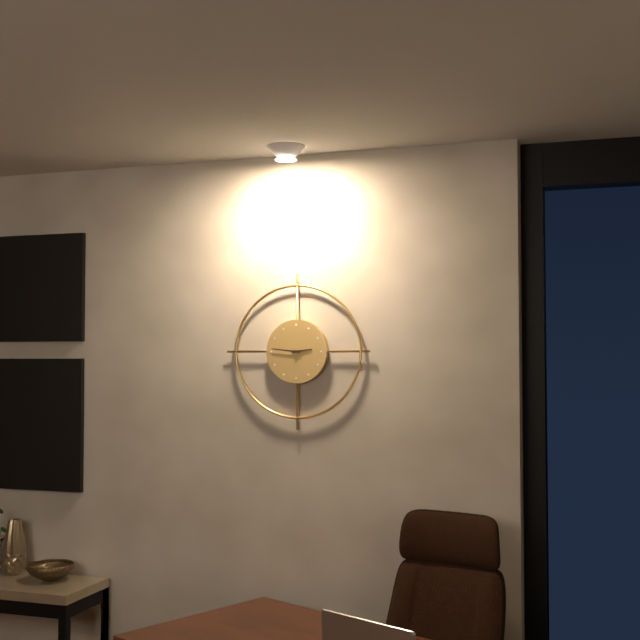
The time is {"hour": 2, "minute": 46}
